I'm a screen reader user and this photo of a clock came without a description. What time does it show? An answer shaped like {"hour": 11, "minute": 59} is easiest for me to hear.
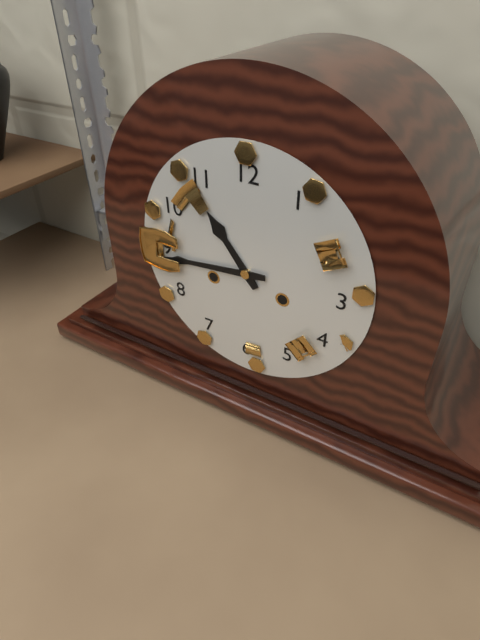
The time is {"hour": 10, "minute": 44}
